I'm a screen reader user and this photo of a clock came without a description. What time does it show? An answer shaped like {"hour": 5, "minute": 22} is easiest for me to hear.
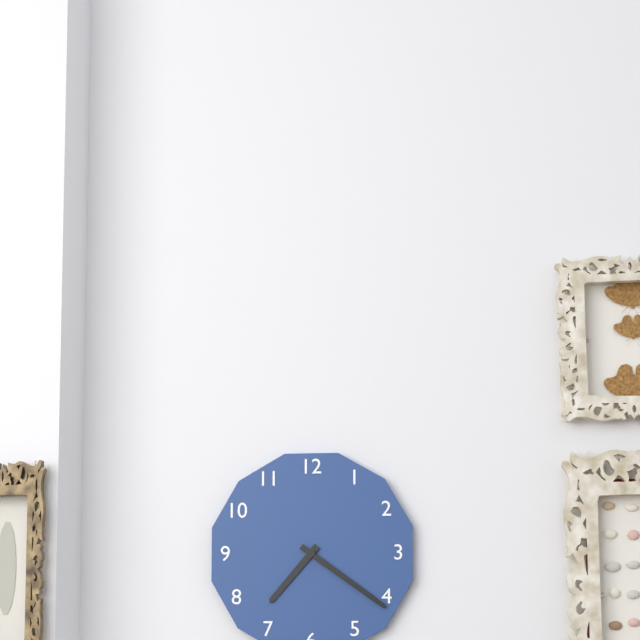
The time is {"hour": 7, "minute": 21}
